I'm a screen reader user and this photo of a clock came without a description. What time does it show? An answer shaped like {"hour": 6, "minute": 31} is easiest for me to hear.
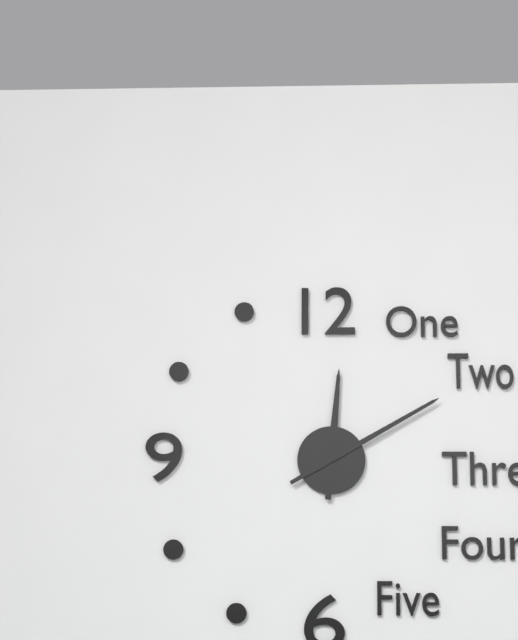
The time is {"hour": 12, "minute": 10}
